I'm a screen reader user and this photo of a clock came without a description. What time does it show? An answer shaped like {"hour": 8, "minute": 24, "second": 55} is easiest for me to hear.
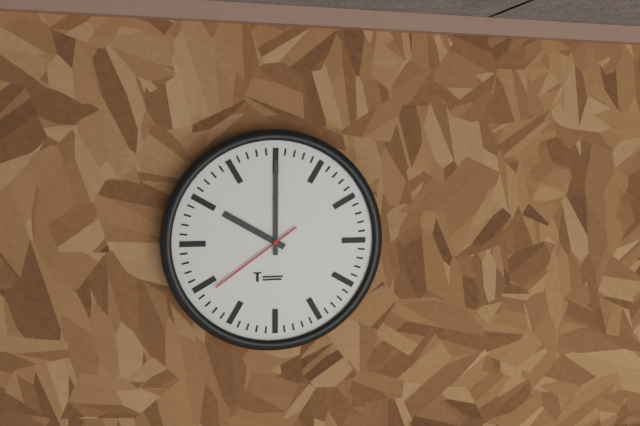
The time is {"hour": 10, "minute": 0, "second": 39}
